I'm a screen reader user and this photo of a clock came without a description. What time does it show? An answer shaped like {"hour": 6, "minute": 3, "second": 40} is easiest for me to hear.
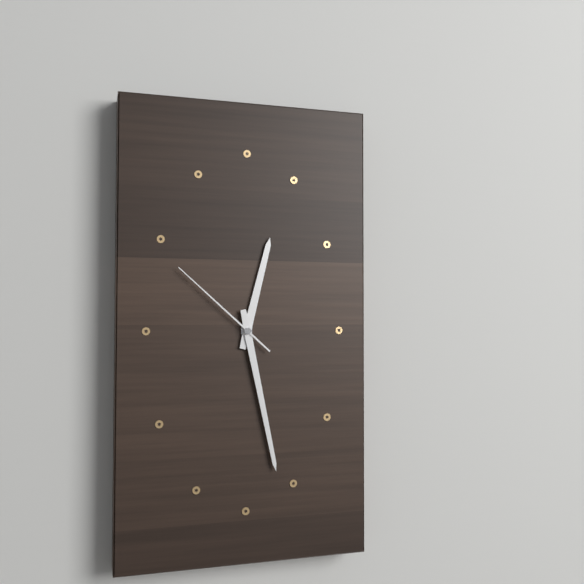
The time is {"hour": 12, "minute": 28, "second": 52}
